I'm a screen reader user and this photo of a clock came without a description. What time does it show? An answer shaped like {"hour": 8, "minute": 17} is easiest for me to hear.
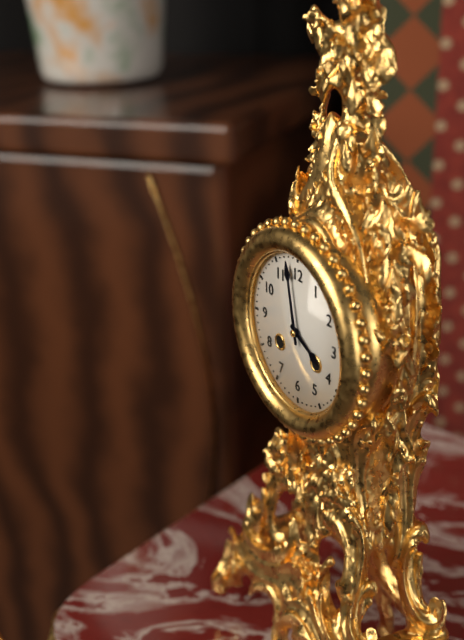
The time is {"hour": 3, "minute": 58}
